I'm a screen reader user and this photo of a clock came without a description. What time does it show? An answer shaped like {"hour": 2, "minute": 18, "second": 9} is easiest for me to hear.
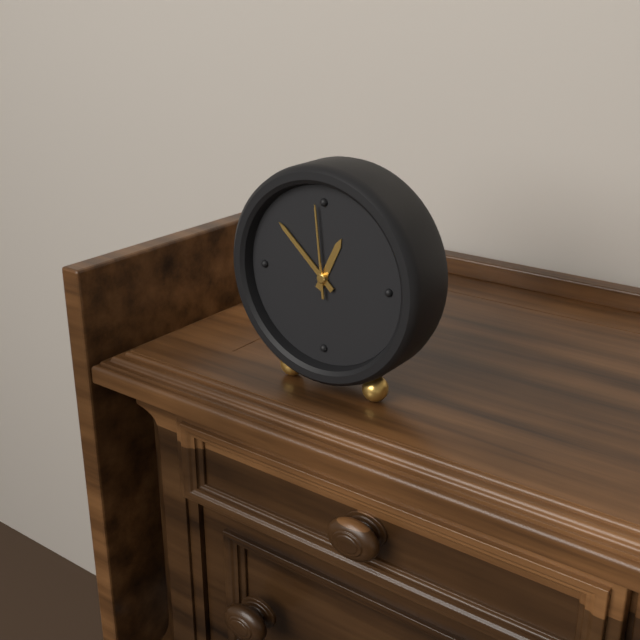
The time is {"hour": 12, "minute": 52, "second": 59}
